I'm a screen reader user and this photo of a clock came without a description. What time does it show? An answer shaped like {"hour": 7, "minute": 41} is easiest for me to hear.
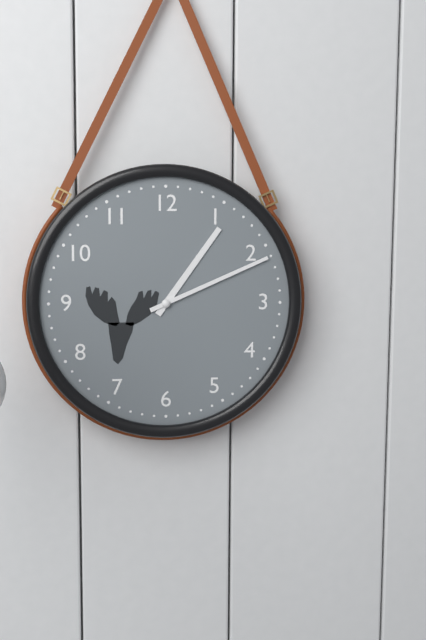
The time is {"hour": 1, "minute": 11}
